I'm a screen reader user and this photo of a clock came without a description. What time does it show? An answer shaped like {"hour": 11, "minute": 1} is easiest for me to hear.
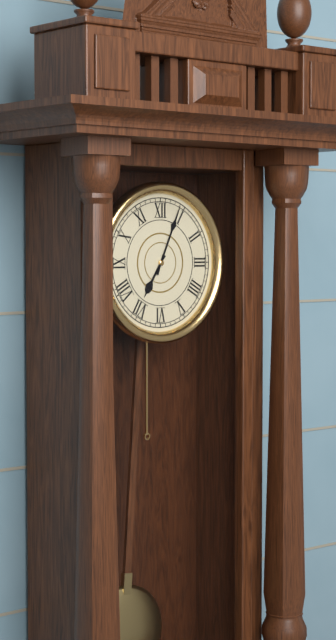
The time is {"hour": 7, "minute": 4}
